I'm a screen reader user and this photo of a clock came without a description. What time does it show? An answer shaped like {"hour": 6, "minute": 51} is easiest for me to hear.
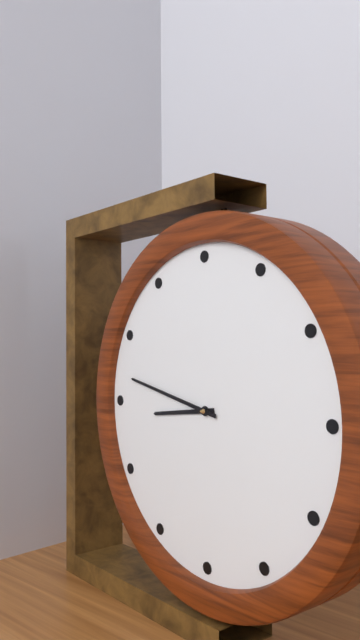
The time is {"hour": 8, "minute": 47}
